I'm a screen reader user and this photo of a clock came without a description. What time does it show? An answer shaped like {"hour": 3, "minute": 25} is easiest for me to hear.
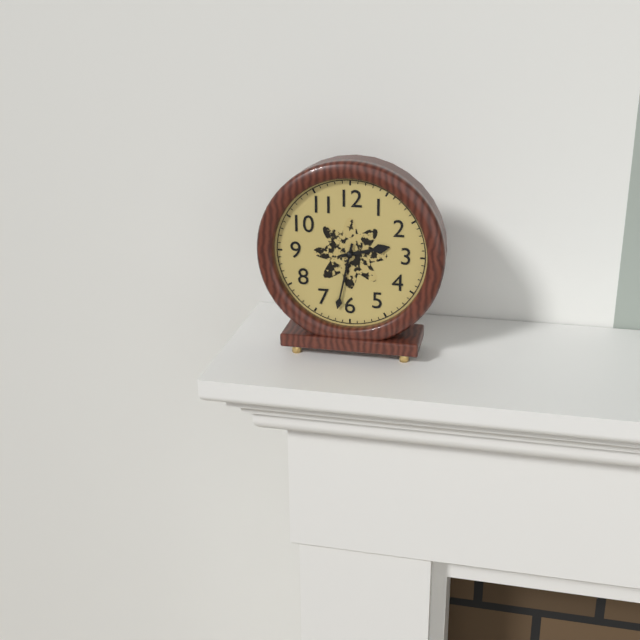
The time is {"hour": 2, "minute": 32}
